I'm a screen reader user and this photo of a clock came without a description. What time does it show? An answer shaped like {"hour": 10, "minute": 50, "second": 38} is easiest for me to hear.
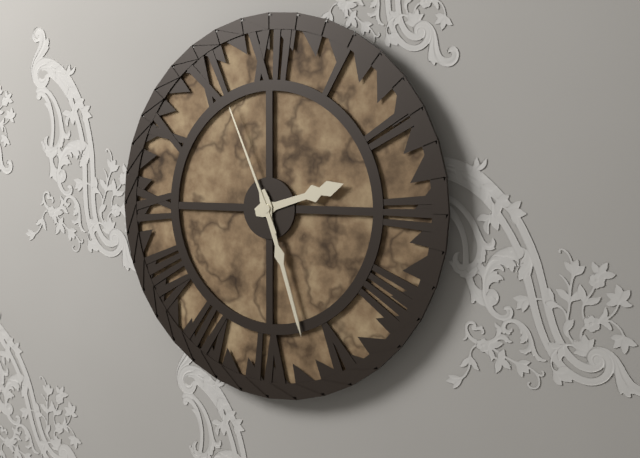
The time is {"hour": 2, "minute": 27, "second": 56}
